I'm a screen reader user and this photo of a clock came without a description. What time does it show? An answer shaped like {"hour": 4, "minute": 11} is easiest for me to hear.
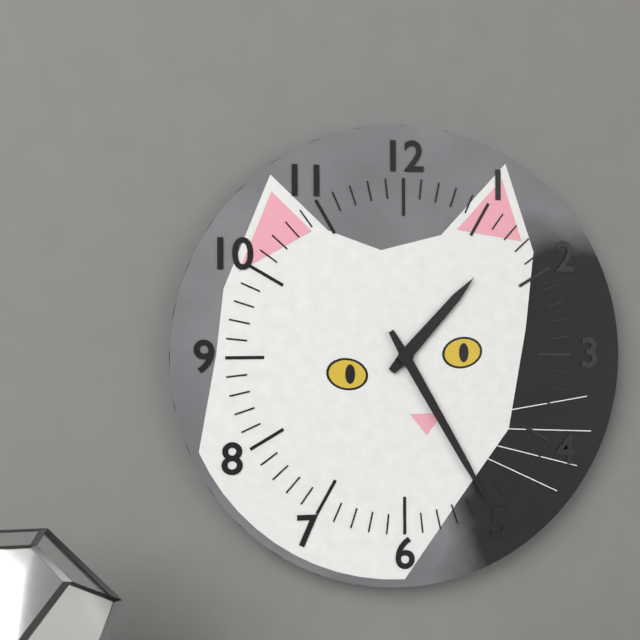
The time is {"hour": 1, "minute": 25}
